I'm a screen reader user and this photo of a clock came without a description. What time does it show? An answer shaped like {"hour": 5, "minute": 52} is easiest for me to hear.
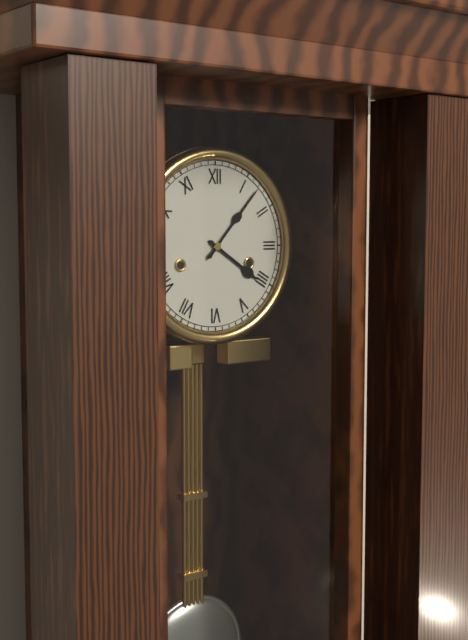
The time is {"hour": 4, "minute": 7}
